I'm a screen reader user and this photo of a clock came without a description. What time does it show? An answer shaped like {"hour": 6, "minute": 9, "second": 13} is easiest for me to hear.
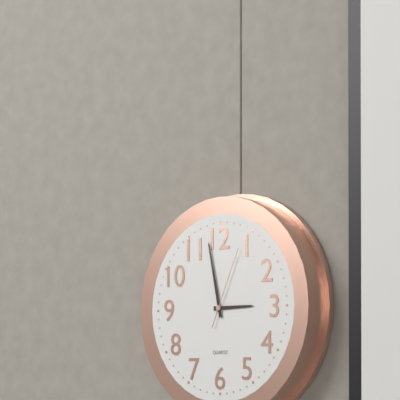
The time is {"hour": 2, "minute": 58, "second": 4}
